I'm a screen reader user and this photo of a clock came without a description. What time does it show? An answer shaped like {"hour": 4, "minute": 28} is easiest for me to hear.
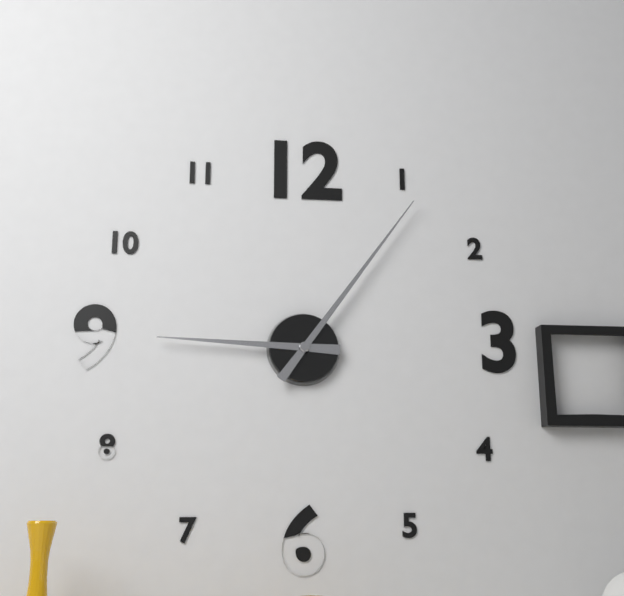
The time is {"hour": 9, "minute": 6}
